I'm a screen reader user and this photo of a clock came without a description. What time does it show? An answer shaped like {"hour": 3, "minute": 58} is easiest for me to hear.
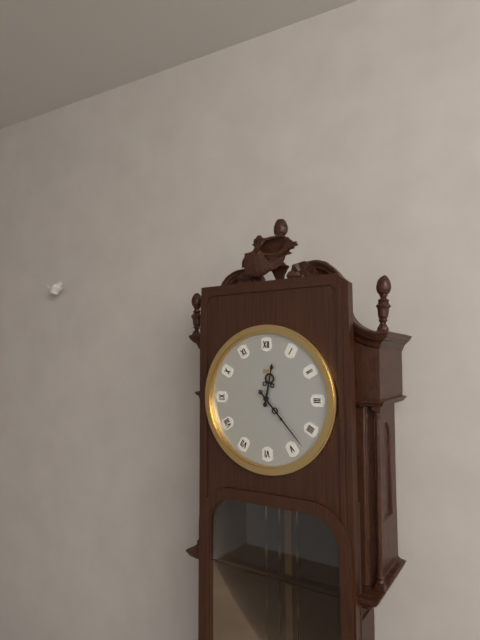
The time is {"hour": 12, "minute": 23}
